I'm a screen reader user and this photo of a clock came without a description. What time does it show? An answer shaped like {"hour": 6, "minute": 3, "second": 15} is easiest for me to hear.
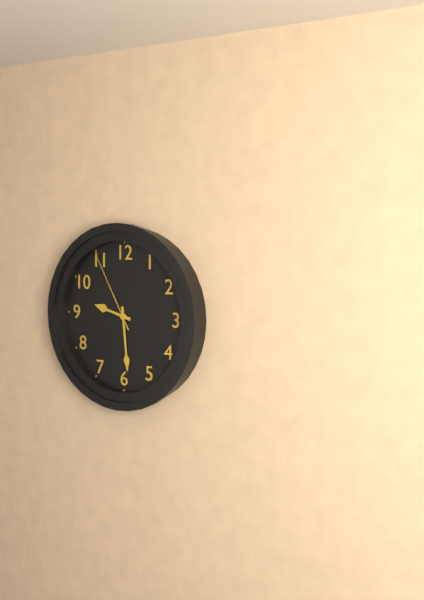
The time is {"hour": 9, "minute": 29, "second": 55}
